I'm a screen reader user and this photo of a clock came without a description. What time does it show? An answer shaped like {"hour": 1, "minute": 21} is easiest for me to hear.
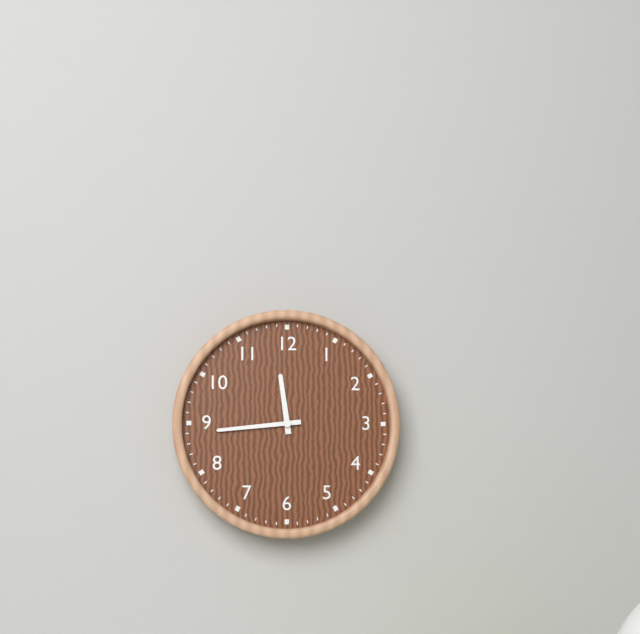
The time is {"hour": 11, "minute": 44}
